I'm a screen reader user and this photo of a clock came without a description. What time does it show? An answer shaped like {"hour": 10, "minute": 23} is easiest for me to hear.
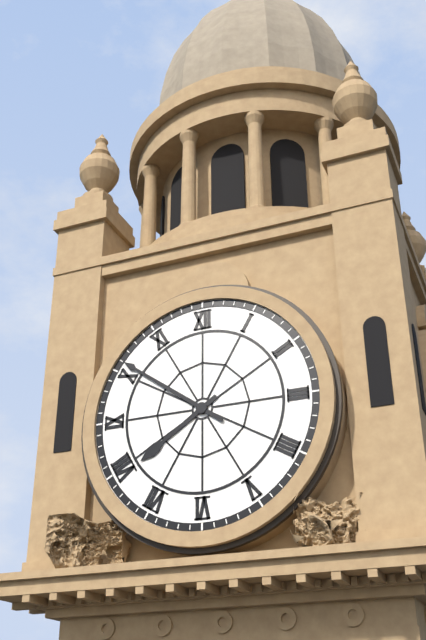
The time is {"hour": 7, "minute": 51}
